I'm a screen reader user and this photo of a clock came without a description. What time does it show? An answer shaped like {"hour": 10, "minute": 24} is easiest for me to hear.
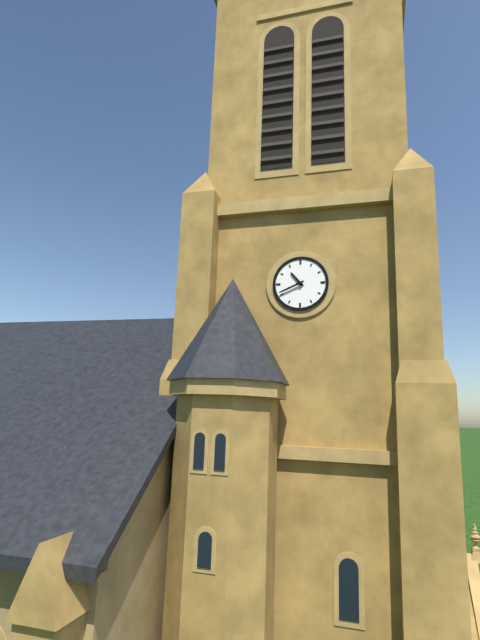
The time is {"hour": 10, "minute": 41}
